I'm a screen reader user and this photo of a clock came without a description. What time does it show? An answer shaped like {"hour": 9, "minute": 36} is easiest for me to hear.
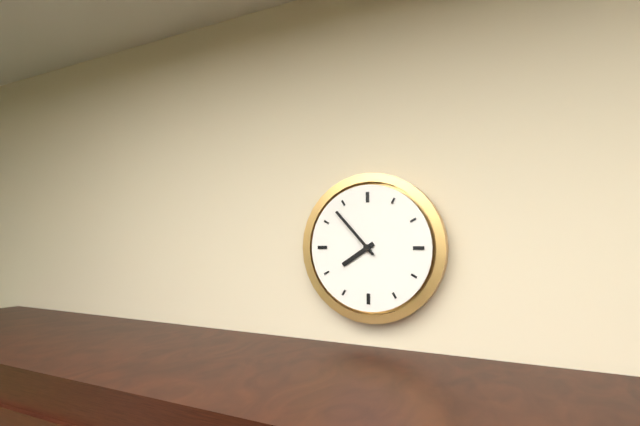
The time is {"hour": 7, "minute": 53}
